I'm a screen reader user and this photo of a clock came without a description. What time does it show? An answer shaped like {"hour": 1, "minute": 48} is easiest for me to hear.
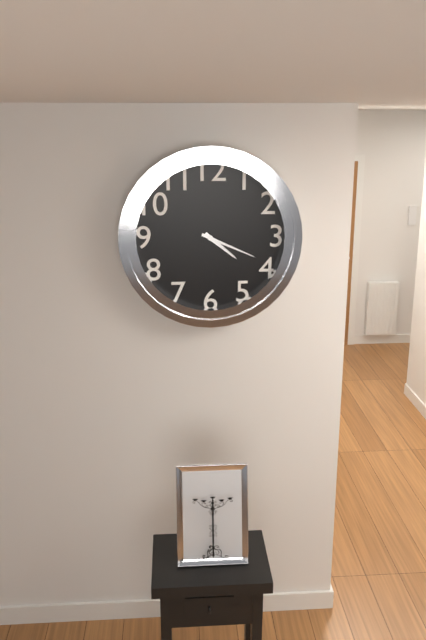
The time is {"hour": 4, "minute": 19}
